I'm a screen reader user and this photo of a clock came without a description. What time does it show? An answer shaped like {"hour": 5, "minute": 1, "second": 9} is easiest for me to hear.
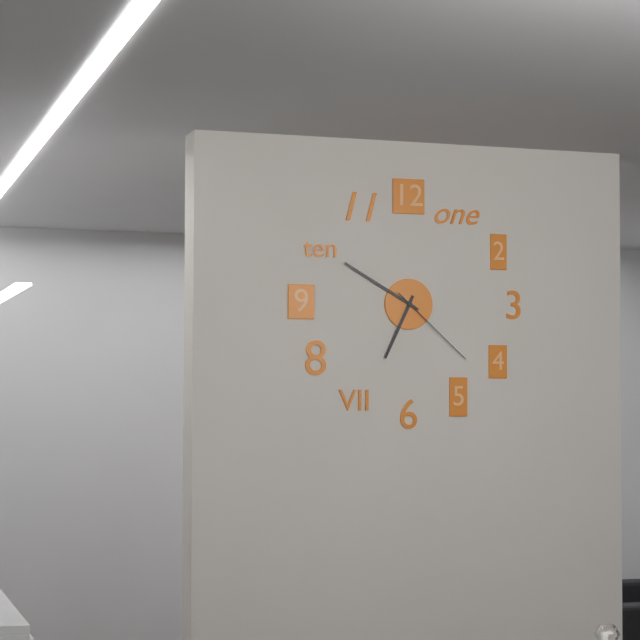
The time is {"hour": 6, "minute": 50, "second": 22}
